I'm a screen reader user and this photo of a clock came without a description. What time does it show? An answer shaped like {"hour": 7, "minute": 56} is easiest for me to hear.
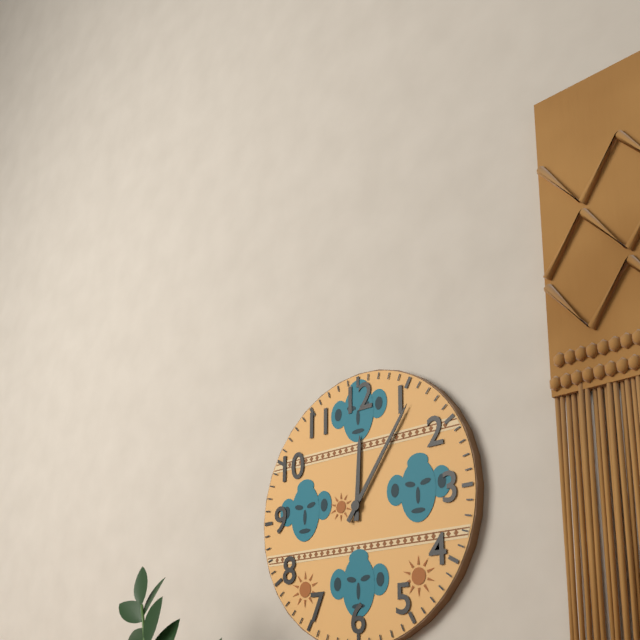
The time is {"hour": 12, "minute": 6}
